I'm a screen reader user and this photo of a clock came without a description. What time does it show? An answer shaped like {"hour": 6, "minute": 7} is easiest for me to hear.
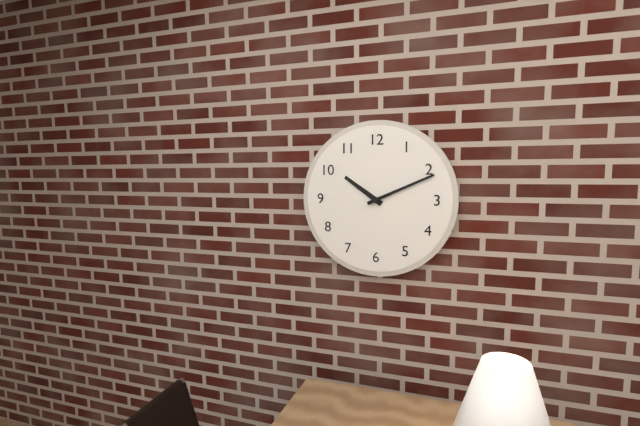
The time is {"hour": 10, "minute": 11}
